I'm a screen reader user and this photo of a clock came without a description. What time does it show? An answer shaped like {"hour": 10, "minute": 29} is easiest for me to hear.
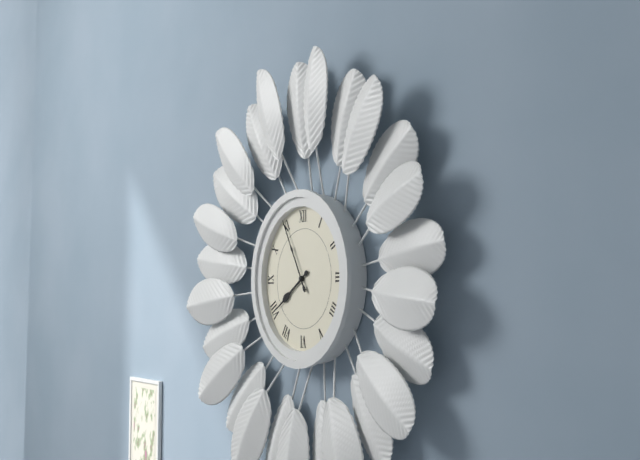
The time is {"hour": 7, "minute": 55}
